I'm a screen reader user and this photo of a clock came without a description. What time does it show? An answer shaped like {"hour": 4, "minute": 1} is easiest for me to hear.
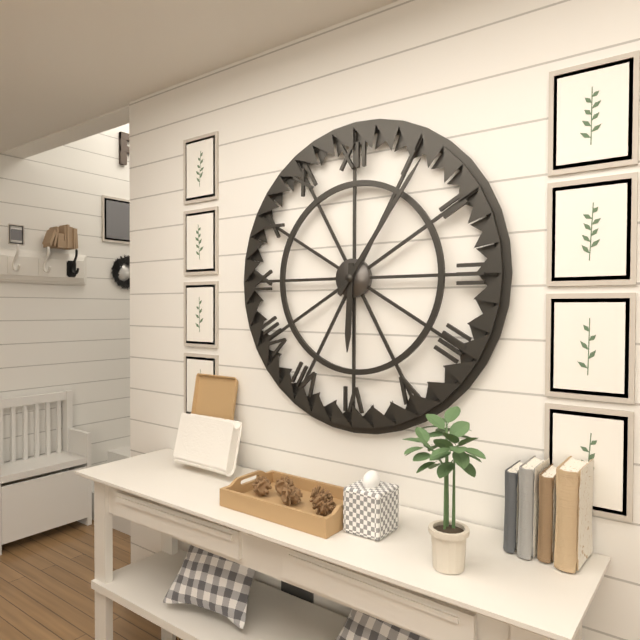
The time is {"hour": 6, "minute": 6}
